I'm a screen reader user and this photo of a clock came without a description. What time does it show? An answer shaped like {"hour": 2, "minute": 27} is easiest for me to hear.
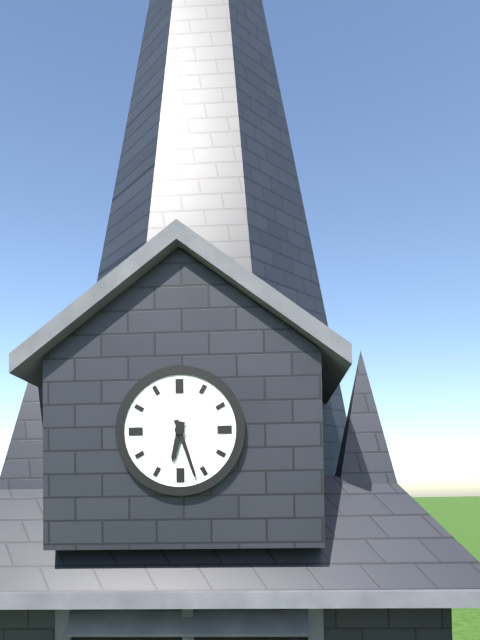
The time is {"hour": 6, "minute": 27}
